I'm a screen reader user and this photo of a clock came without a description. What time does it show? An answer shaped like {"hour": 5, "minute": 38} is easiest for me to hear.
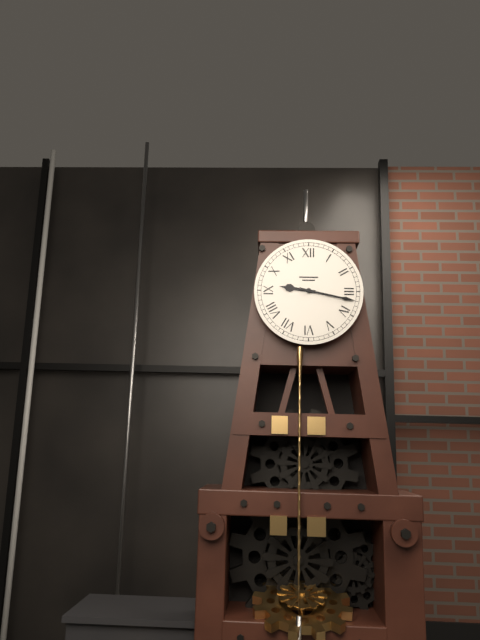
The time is {"hour": 9, "minute": 17}
